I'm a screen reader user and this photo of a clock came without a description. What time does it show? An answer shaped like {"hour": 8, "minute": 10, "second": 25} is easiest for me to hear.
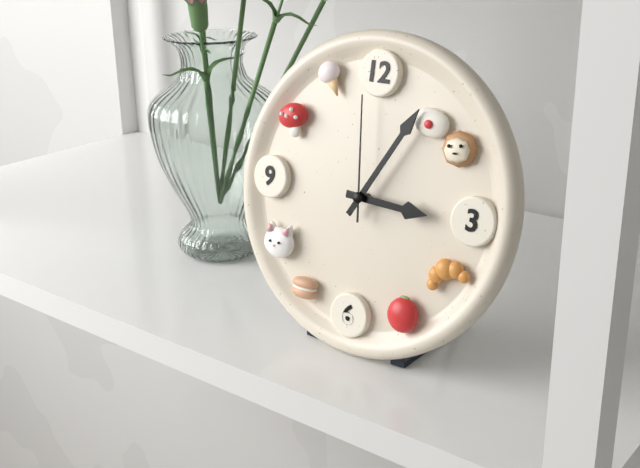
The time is {"hour": 3, "minute": 5, "second": 59}
